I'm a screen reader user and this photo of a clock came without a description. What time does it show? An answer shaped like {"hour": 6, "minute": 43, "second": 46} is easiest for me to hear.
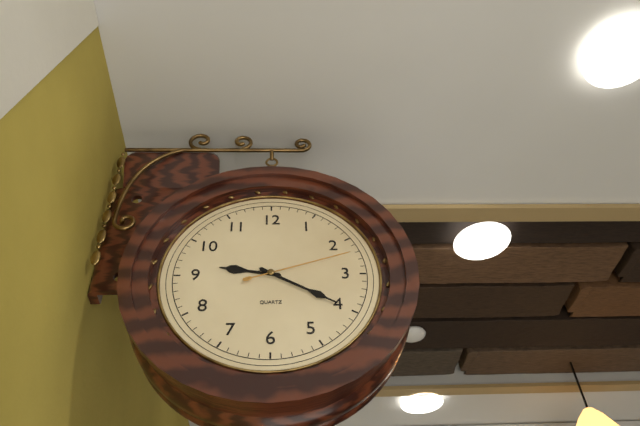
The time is {"hour": 9, "minute": 20, "second": 12}
